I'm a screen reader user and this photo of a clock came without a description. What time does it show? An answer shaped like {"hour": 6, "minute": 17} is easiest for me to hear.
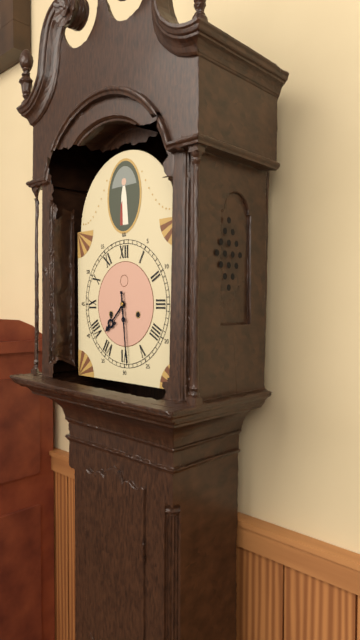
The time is {"hour": 7, "minute": 29}
